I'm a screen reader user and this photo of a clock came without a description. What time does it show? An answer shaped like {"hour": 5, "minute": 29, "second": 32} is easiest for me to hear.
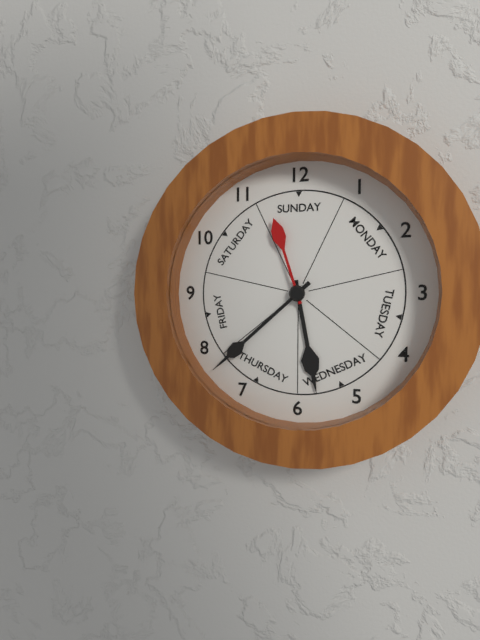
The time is {"hour": 5, "minute": 38, "second": 57}
